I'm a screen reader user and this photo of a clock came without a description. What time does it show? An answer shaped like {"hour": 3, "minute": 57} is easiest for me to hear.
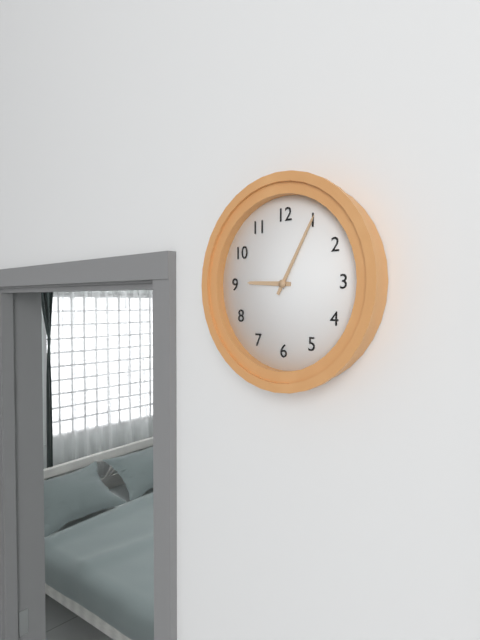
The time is {"hour": 9, "minute": 5}
